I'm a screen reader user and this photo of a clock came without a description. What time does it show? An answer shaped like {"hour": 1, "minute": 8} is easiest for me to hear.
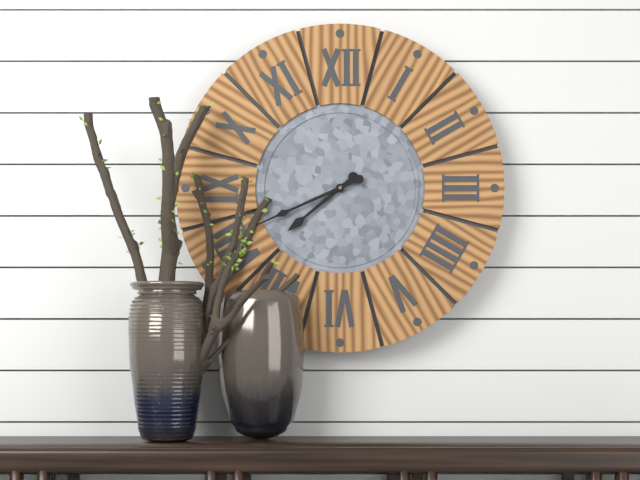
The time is {"hour": 7, "minute": 41}
